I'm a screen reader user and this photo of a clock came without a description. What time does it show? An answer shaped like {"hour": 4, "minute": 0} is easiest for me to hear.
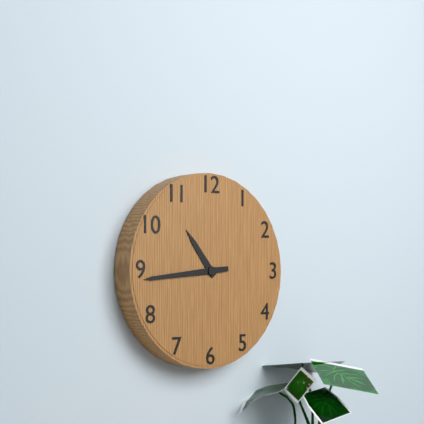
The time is {"hour": 10, "minute": 44}
